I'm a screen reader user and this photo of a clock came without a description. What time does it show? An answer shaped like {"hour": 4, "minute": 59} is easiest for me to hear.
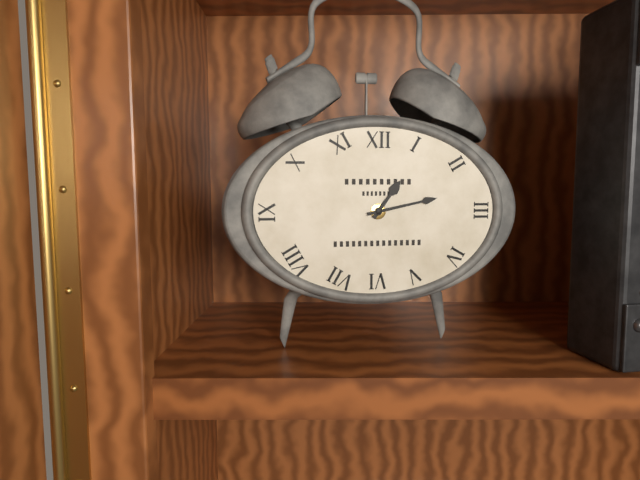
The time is {"hour": 1, "minute": 13}
